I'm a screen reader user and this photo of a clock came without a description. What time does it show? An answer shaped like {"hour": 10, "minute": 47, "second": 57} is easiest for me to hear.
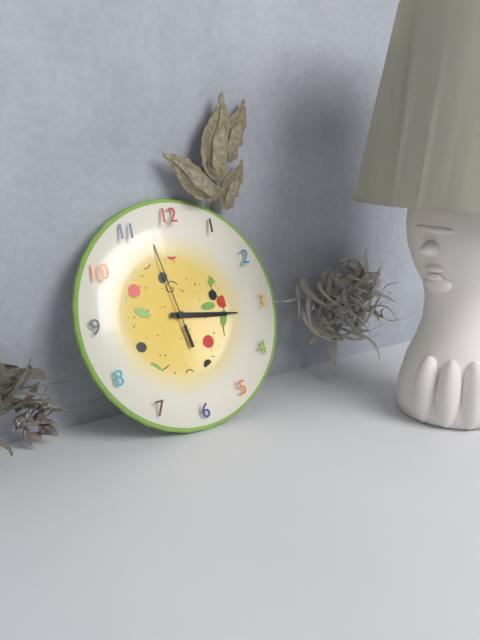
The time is {"hour": 3, "minute": 16, "second": 58}
